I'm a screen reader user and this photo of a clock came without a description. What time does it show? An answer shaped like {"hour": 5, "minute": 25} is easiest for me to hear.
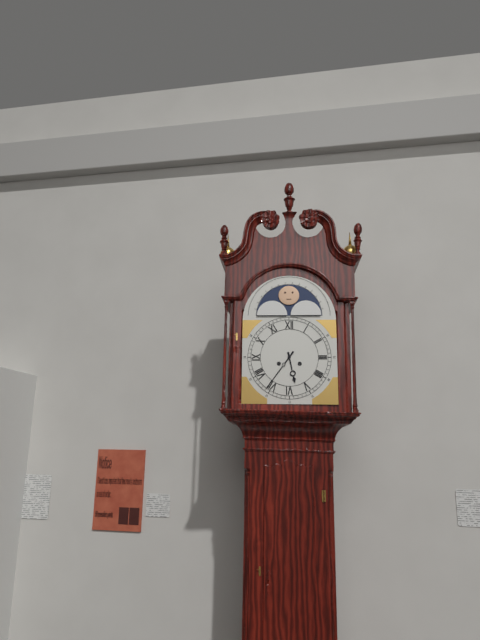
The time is {"hour": 5, "minute": 36}
